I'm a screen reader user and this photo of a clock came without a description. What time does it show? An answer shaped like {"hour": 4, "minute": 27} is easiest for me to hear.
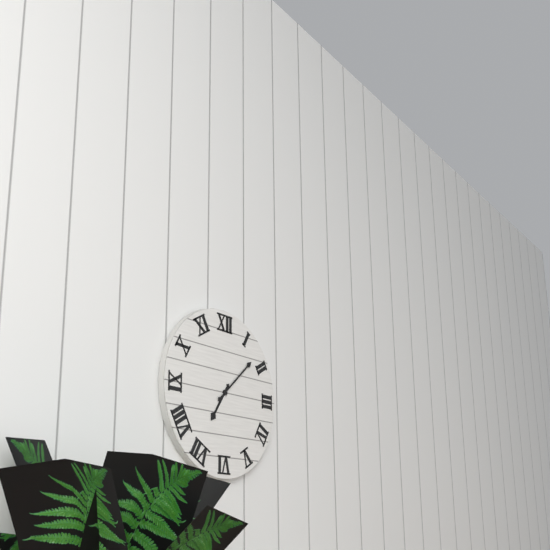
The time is {"hour": 7, "minute": 8}
